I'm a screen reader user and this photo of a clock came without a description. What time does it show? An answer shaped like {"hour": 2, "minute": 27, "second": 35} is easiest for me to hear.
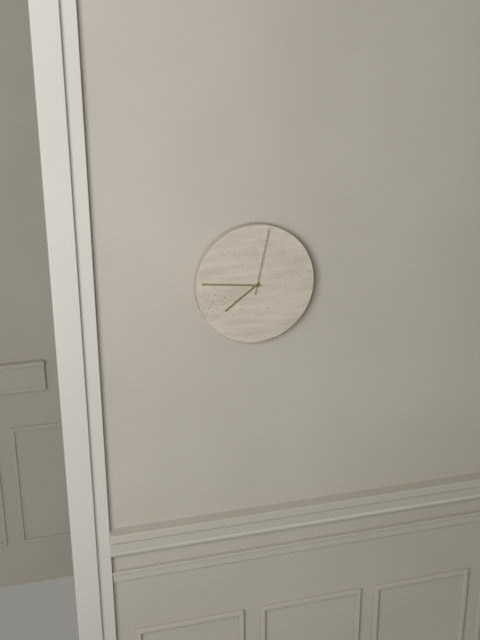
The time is {"hour": 7, "minute": 46, "second": 2}
